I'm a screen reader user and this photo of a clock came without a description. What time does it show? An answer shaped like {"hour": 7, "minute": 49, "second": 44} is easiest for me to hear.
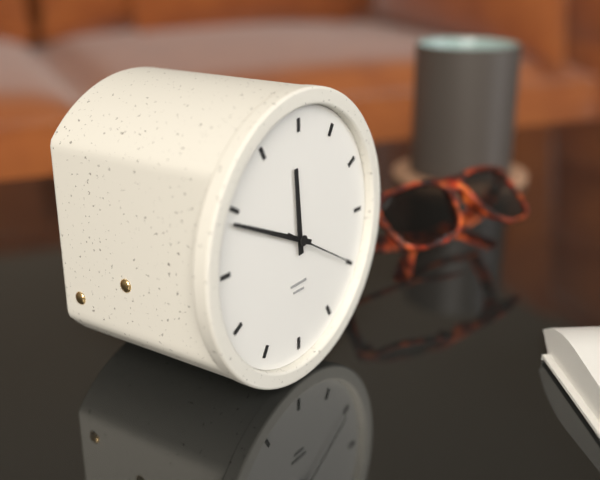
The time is {"hour": 11, "minute": 49, "second": 20}
